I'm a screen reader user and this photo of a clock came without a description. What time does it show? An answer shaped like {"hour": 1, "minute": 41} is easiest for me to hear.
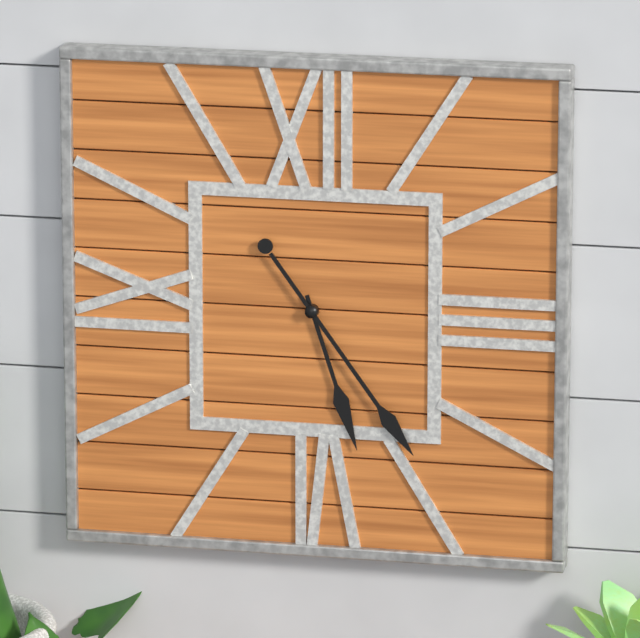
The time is {"hour": 5, "minute": 24}
